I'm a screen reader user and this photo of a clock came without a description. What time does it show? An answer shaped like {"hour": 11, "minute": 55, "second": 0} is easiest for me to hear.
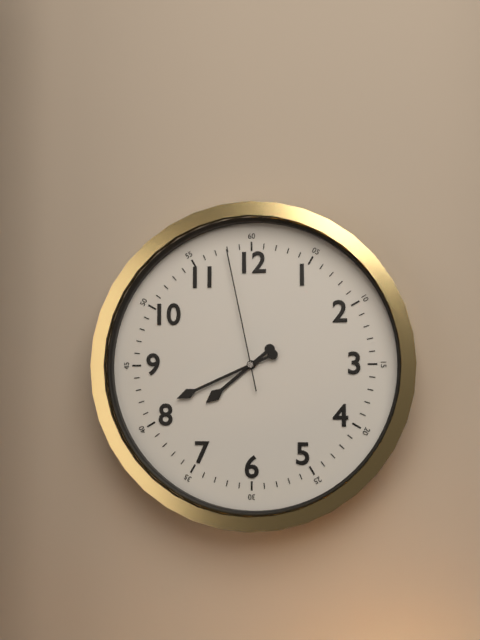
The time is {"hour": 7, "minute": 41, "second": 58}
